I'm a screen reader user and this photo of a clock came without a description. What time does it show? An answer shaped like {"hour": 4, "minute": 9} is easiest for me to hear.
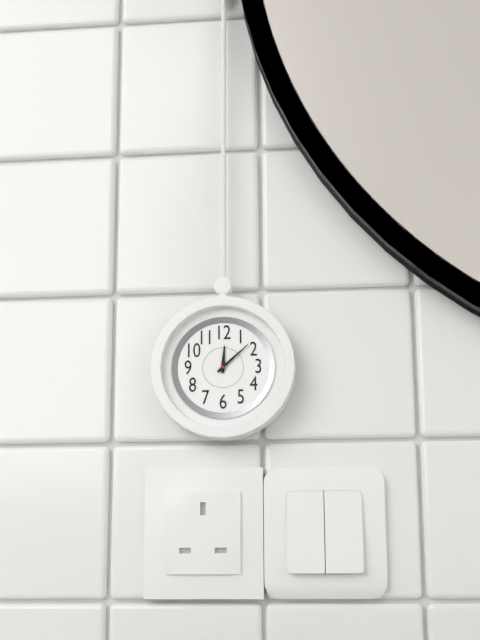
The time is {"hour": 12, "minute": 8}
